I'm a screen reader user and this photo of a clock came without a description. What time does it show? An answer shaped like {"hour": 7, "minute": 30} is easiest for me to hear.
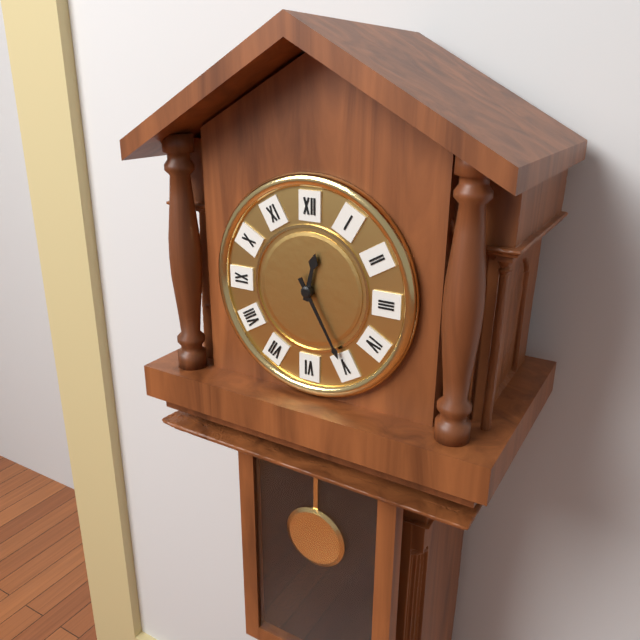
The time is {"hour": 12, "minute": 25}
